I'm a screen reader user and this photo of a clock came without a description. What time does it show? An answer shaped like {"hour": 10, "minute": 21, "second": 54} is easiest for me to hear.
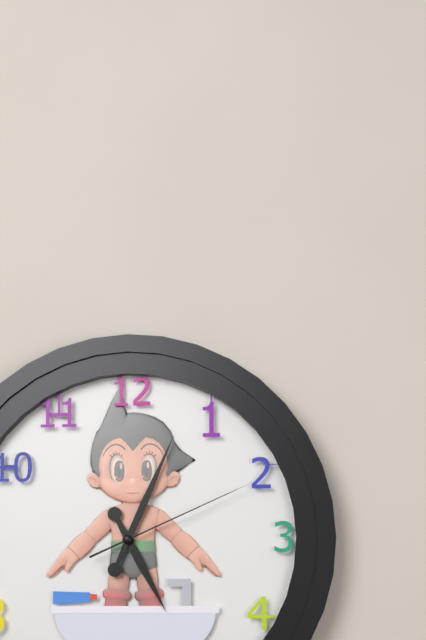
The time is {"hour": 5, "minute": 4, "second": 11}
